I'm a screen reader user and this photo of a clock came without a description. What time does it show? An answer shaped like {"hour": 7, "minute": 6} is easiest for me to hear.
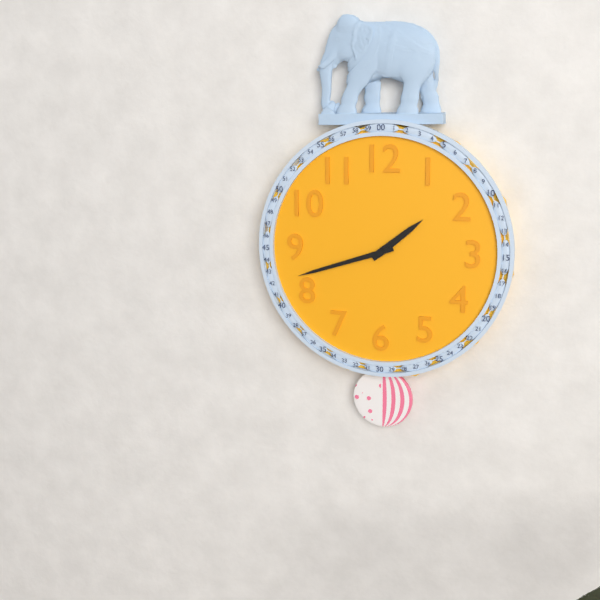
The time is {"hour": 1, "minute": 42}
